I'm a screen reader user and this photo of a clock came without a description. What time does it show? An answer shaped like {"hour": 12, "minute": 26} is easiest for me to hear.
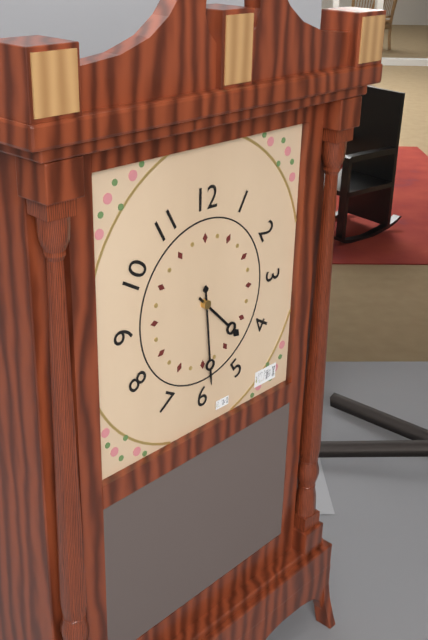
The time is {"hour": 4, "minute": 29}
